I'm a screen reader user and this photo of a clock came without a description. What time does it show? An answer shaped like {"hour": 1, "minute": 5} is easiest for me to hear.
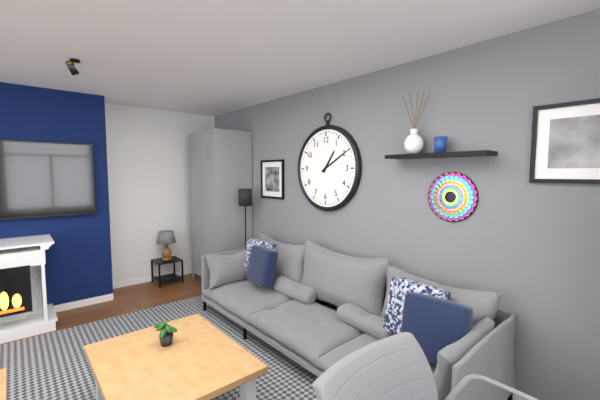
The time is {"hour": 1, "minute": 10}
